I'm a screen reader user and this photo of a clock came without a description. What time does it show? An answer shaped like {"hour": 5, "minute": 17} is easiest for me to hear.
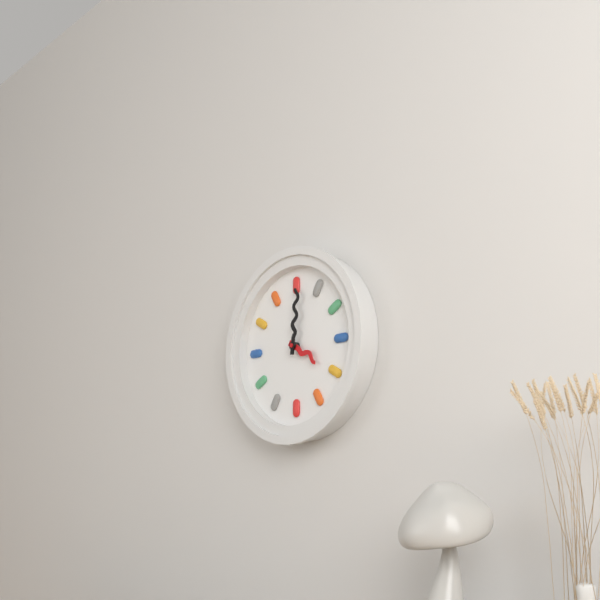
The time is {"hour": 4, "minute": 1}
